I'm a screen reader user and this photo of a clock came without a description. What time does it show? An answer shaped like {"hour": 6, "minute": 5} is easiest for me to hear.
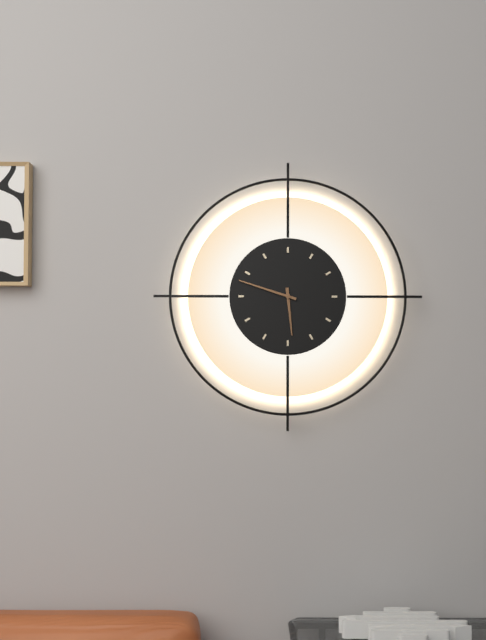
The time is {"hour": 5, "minute": 48}
